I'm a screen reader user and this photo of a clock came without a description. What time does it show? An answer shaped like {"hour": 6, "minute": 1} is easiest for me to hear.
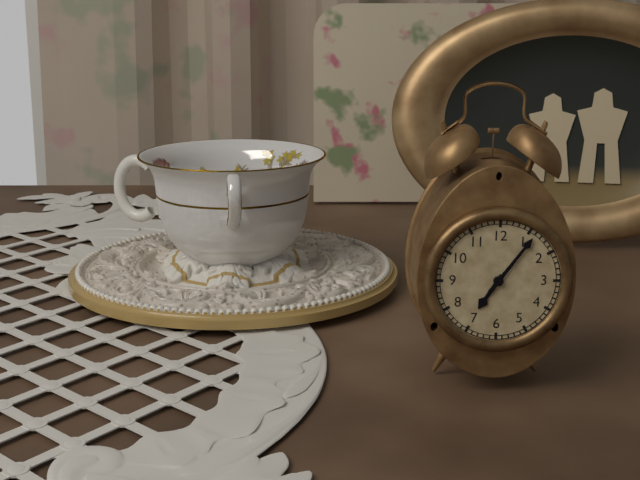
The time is {"hour": 7, "minute": 6}
